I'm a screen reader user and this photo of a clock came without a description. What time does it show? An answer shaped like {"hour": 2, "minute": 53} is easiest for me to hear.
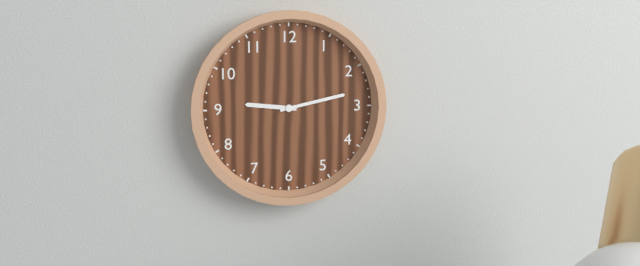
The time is {"hour": 9, "minute": 13}
